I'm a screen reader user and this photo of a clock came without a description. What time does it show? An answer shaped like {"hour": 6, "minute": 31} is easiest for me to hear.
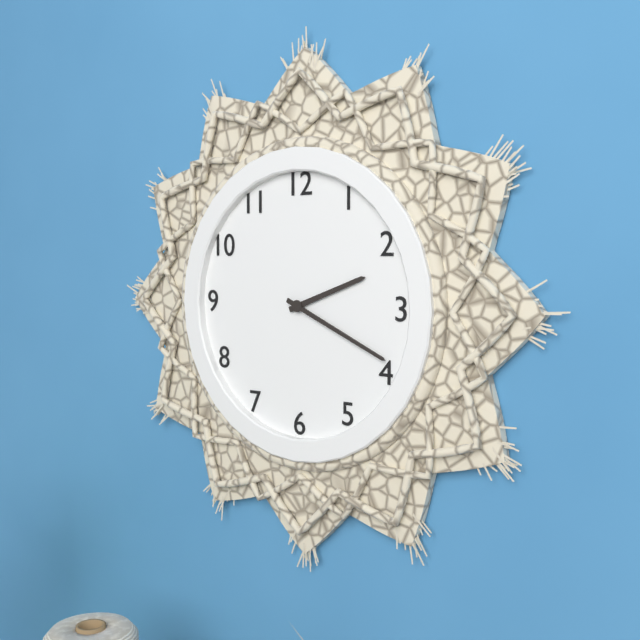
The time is {"hour": 2, "minute": 19}
